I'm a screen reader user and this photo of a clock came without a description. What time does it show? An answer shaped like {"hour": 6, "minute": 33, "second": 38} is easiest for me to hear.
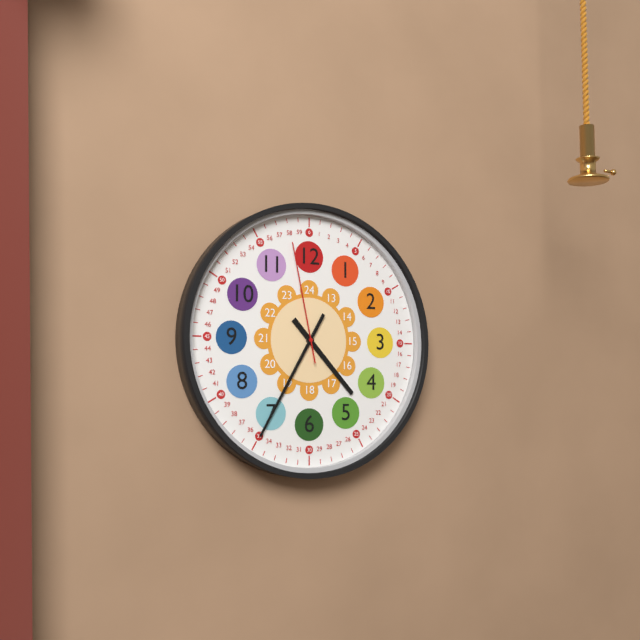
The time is {"hour": 4, "minute": 35, "second": 58}
